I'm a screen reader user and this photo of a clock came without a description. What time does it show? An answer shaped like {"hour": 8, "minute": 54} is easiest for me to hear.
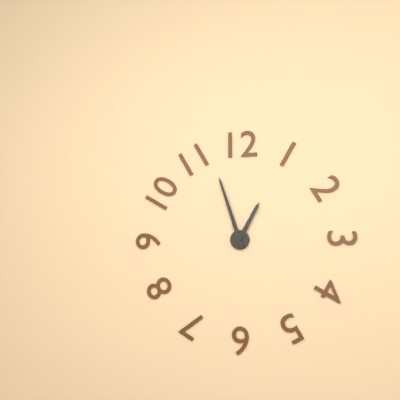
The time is {"hour": 12, "minute": 57}
